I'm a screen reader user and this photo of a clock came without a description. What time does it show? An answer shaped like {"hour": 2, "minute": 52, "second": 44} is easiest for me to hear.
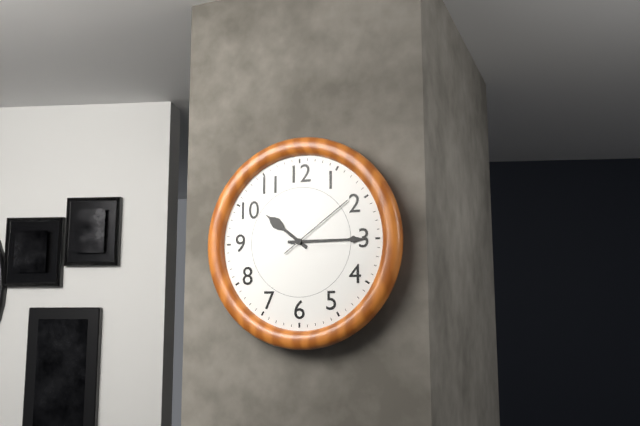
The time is {"hour": 10, "minute": 15, "second": 9}
